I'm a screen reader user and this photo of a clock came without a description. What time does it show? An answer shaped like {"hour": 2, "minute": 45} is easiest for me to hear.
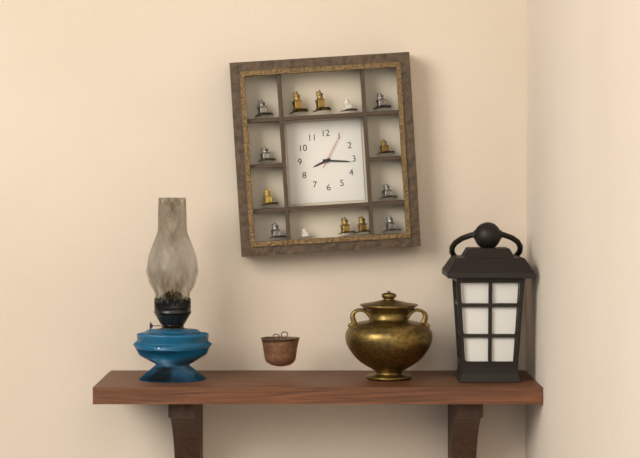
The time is {"hour": 8, "minute": 16}
